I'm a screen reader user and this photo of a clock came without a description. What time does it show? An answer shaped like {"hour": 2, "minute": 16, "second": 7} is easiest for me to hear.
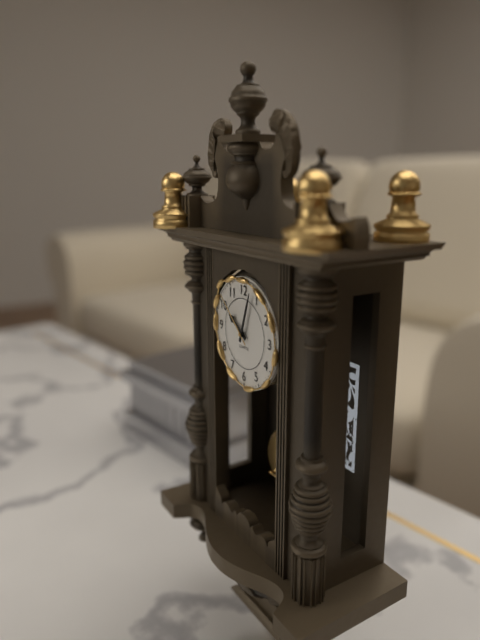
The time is {"hour": 10, "minute": 3, "second": 52}
